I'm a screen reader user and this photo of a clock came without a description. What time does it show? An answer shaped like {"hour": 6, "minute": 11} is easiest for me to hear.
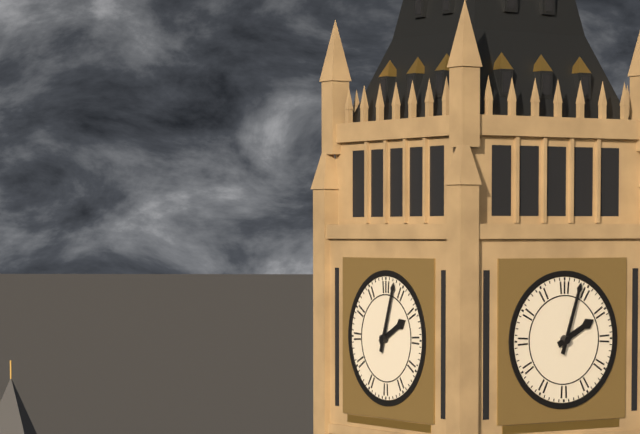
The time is {"hour": 2, "minute": 3}
